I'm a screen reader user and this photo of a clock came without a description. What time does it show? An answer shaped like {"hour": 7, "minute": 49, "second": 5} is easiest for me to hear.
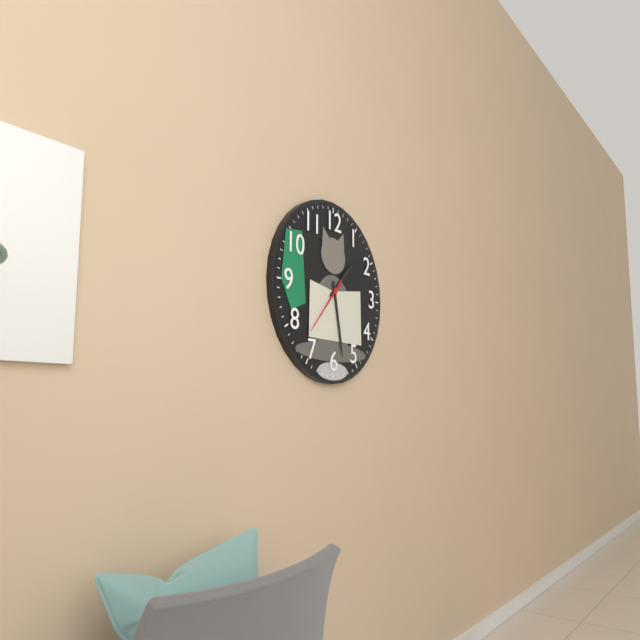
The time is {"hour": 1, "minute": 28, "second": 37}
